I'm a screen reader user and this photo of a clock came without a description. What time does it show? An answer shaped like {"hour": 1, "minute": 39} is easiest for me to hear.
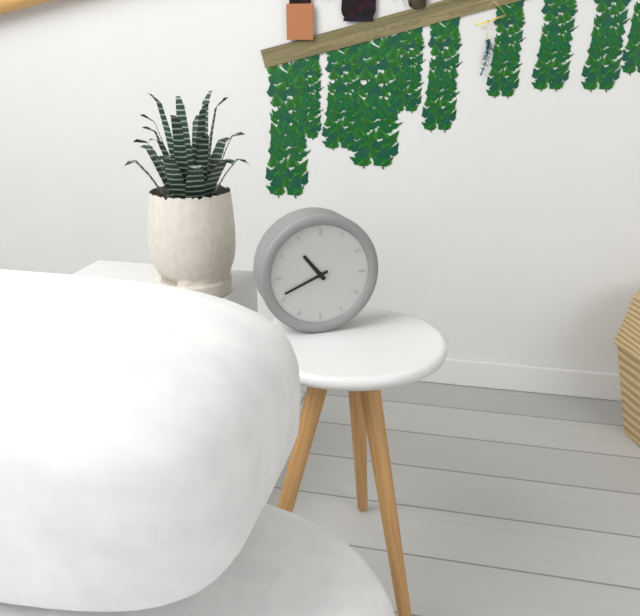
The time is {"hour": 10, "minute": 41}
